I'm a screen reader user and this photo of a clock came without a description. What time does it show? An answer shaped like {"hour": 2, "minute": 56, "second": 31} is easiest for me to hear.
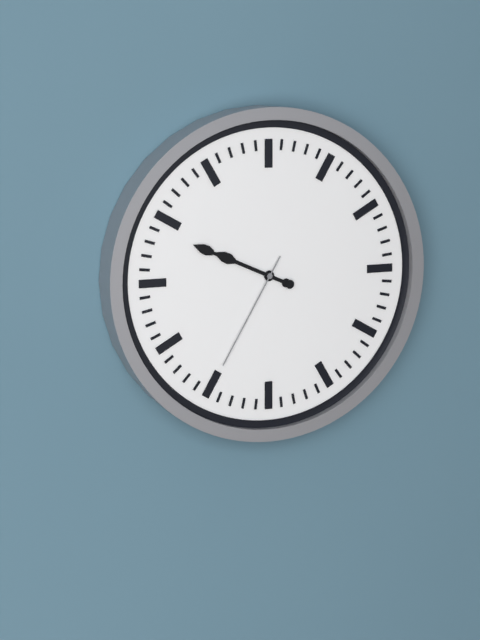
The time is {"hour": 9, "minute": 49, "second": 35}
